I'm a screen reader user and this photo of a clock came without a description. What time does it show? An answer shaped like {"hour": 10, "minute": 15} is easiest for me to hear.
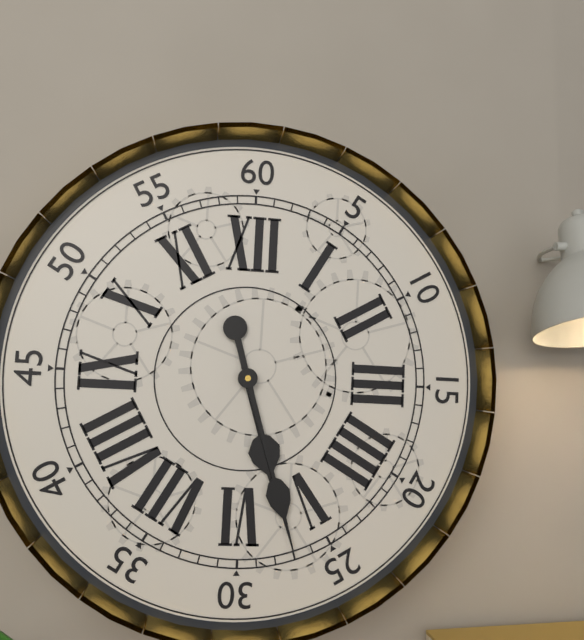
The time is {"hour": 5, "minute": 27}
